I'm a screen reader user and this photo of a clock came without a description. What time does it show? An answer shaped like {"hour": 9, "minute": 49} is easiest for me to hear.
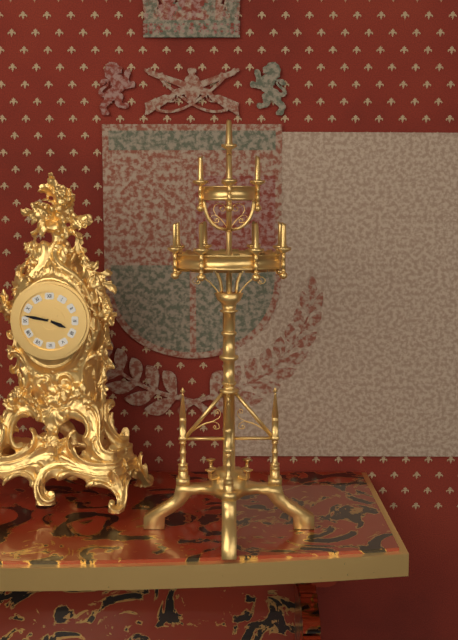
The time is {"hour": 3, "minute": 47}
